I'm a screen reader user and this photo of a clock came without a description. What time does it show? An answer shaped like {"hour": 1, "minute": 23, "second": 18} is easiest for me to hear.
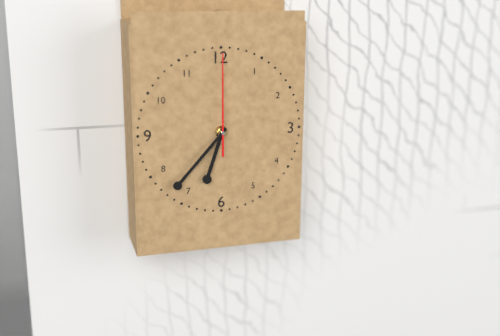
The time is {"hour": 6, "minute": 37, "second": 0}
